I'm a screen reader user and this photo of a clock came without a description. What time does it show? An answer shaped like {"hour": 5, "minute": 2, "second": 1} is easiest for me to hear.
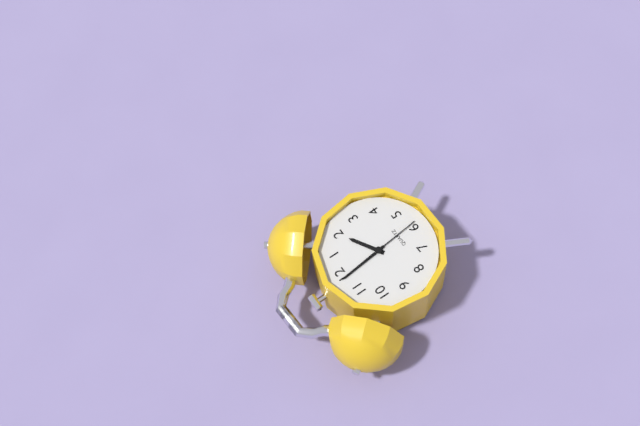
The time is {"hour": 1, "minute": 59, "second": 29}
